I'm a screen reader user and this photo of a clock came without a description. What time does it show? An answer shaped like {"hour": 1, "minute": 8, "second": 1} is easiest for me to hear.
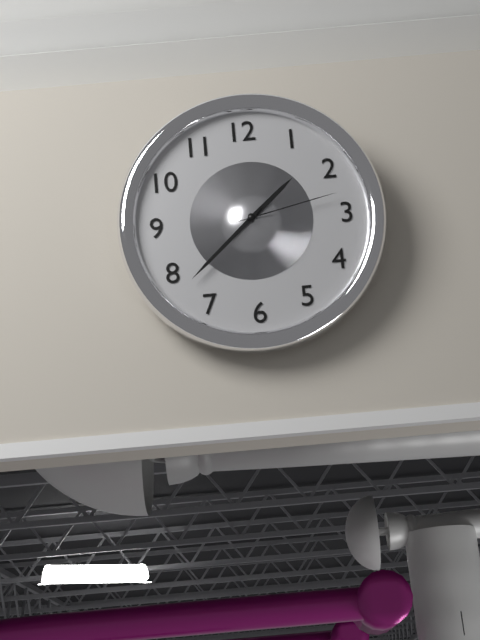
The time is {"hour": 1, "minute": 38, "second": 13}
